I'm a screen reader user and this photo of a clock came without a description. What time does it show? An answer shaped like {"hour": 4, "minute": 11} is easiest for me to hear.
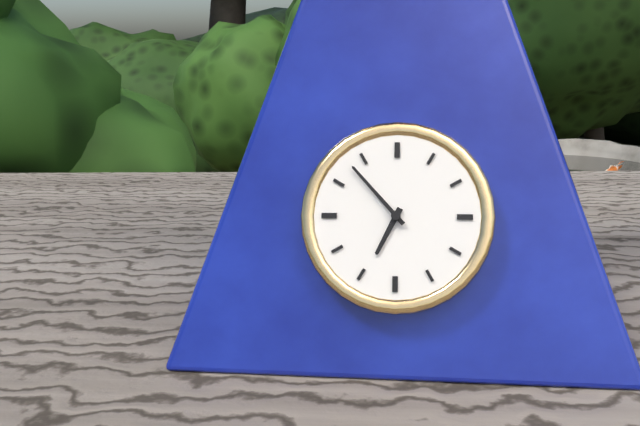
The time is {"hour": 6, "minute": 53}
